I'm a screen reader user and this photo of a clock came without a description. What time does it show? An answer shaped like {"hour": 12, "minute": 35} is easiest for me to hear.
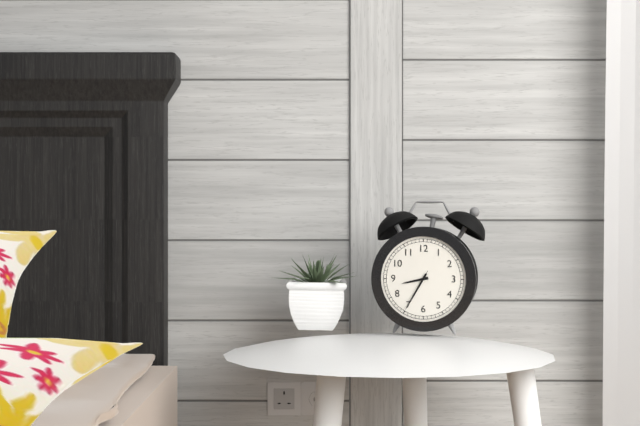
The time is {"hour": 8, "minute": 35}
